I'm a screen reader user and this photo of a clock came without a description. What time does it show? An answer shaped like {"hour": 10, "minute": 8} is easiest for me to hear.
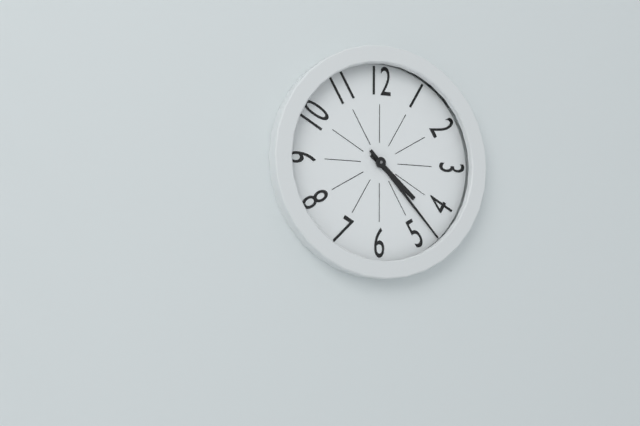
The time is {"hour": 4, "minute": 23}
